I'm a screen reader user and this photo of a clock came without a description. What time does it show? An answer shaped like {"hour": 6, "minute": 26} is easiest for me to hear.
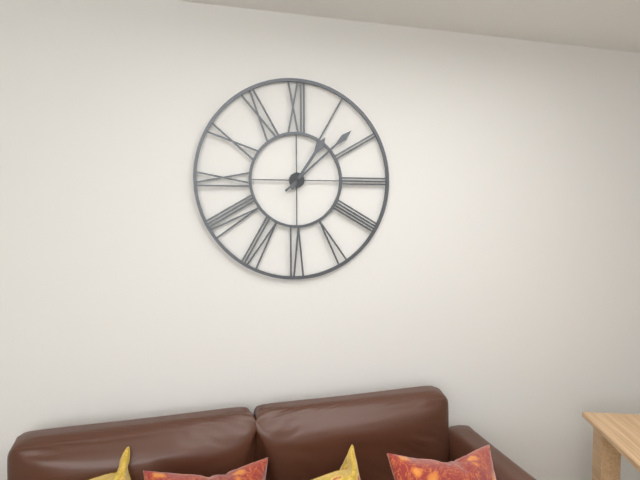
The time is {"hour": 1, "minute": 8}
